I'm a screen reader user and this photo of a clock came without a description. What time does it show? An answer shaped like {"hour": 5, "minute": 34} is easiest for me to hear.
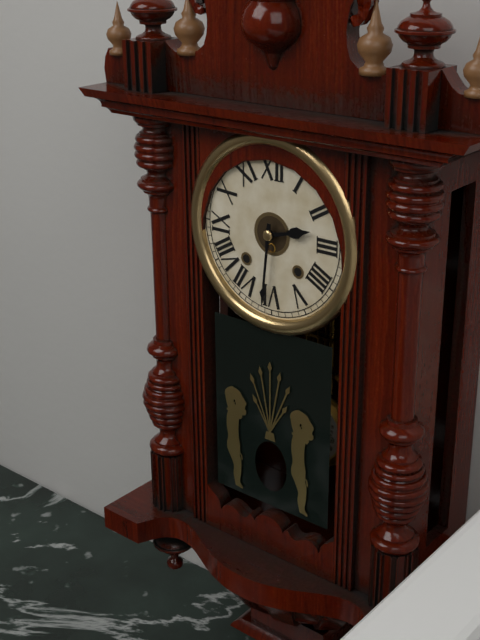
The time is {"hour": 2, "minute": 31}
